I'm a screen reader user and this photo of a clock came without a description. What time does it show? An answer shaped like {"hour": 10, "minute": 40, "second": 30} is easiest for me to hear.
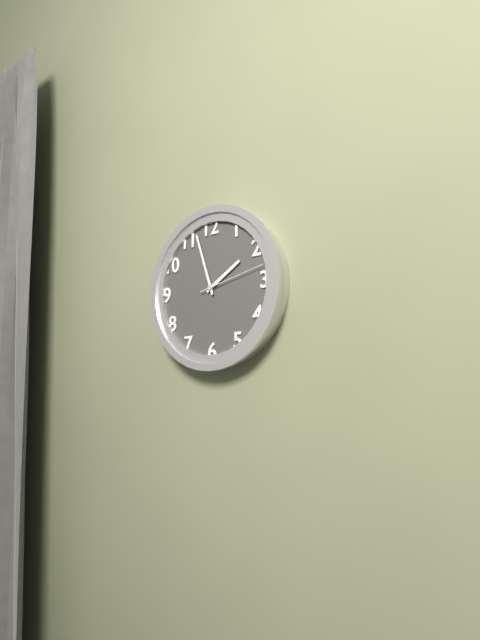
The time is {"hour": 1, "minute": 57, "second": 13}
